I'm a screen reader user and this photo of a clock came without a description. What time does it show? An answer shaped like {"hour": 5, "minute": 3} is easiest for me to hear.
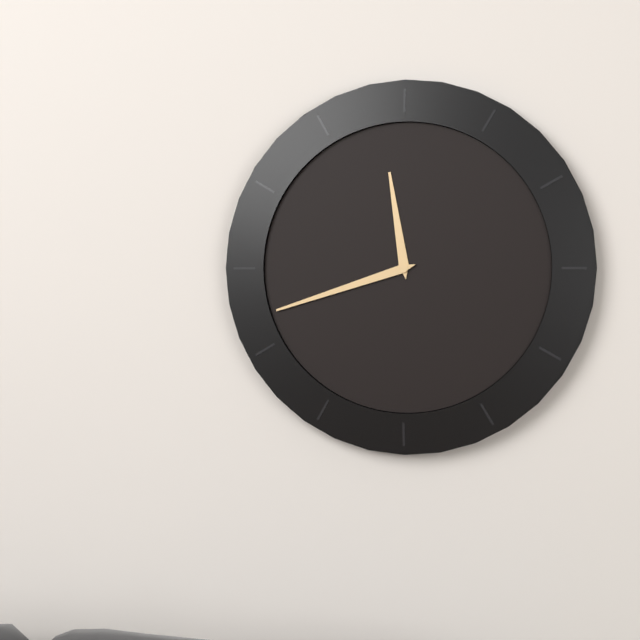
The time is {"hour": 11, "minute": 42}
